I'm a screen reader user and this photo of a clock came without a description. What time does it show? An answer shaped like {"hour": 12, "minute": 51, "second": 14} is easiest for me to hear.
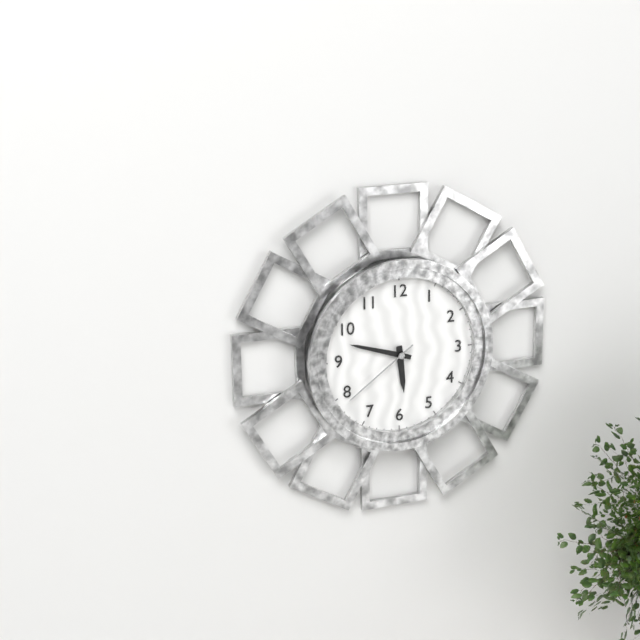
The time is {"hour": 5, "minute": 48, "second": 39}
